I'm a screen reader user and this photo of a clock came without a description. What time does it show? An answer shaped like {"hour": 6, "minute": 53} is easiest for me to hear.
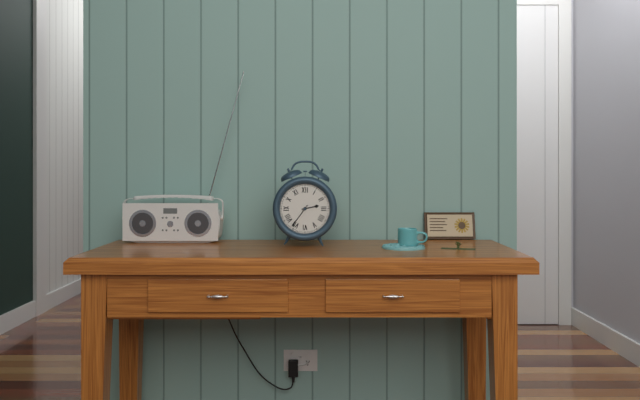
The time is {"hour": 2, "minute": 36}
